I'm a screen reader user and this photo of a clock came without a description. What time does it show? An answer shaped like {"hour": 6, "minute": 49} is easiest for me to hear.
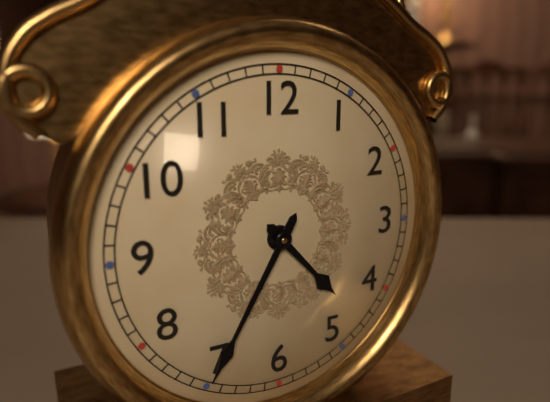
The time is {"hour": 4, "minute": 35}
